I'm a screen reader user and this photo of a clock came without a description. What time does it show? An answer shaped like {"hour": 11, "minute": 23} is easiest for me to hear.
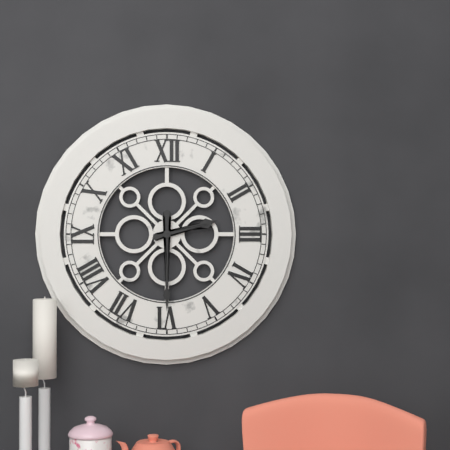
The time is {"hour": 2, "minute": 30}
